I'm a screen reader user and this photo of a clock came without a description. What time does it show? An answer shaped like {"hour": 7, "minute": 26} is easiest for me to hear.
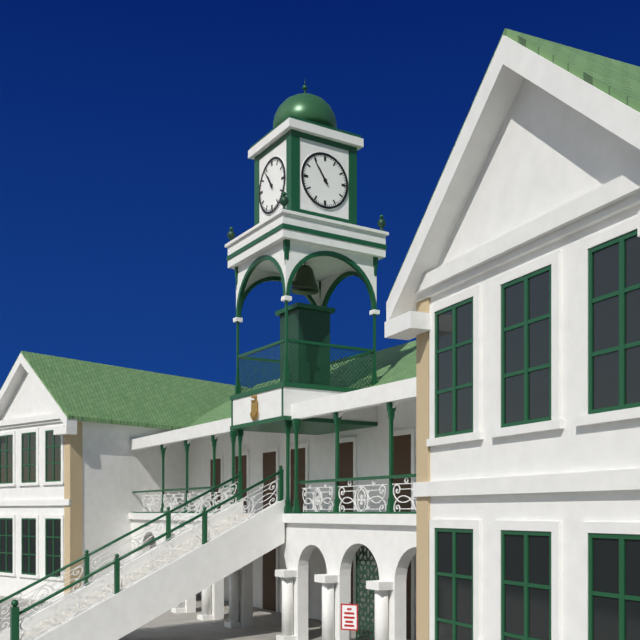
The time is {"hour": 10, "minute": 54}
